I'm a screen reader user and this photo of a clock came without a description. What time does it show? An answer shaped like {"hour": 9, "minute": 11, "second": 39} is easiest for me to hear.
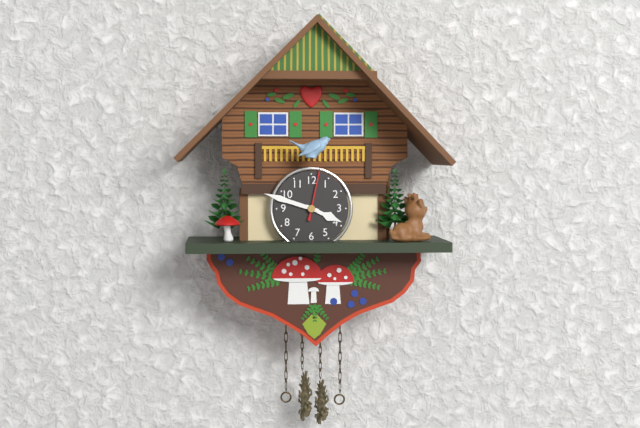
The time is {"hour": 3, "minute": 48, "second": 2}
